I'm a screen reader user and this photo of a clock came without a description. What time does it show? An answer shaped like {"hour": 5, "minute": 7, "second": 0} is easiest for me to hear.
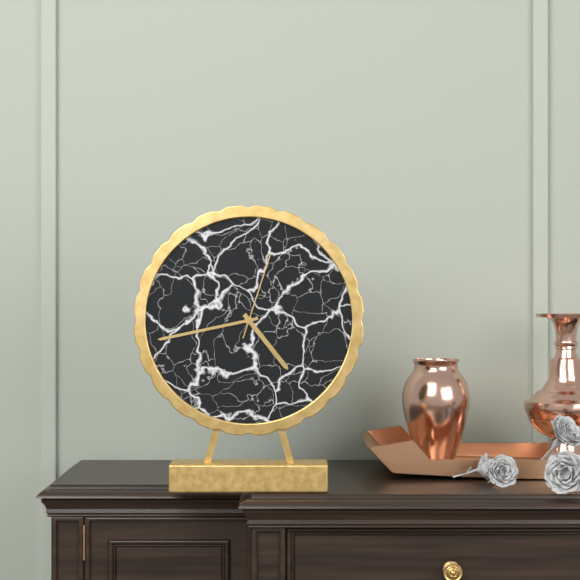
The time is {"hour": 4, "minute": 43, "second": 3}
